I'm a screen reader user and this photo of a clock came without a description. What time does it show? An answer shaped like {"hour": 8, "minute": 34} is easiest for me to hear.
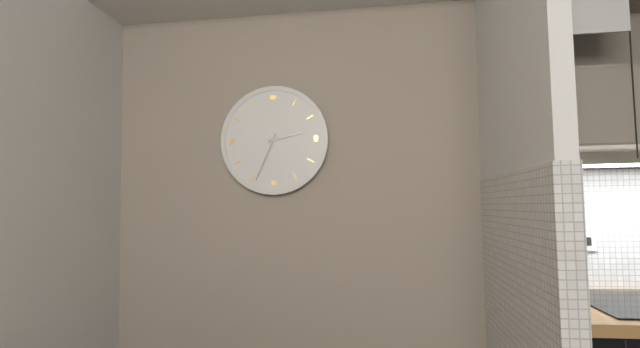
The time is {"hour": 2, "minute": 34}
